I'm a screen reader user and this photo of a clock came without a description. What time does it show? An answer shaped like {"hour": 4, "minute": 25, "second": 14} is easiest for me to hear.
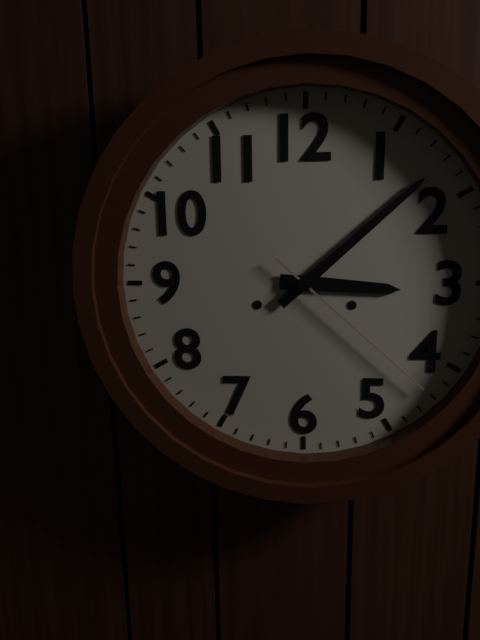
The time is {"hour": 3, "minute": 8, "second": 22}
